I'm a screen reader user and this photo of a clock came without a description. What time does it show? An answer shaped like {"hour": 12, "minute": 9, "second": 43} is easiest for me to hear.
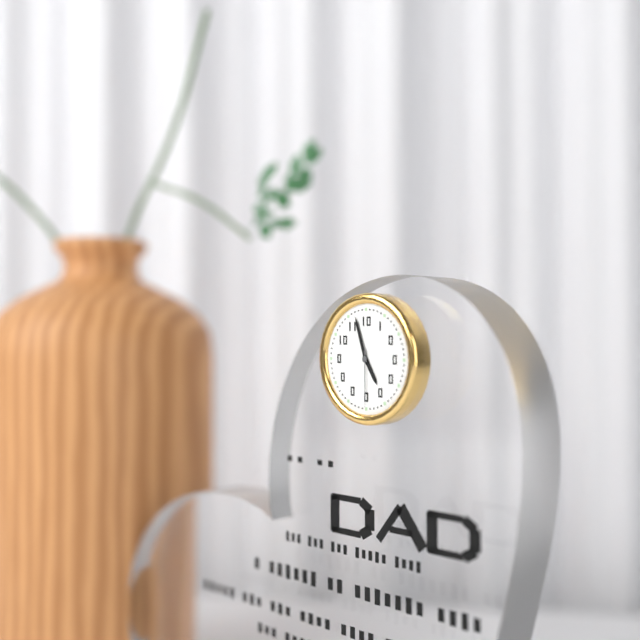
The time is {"hour": 4, "minute": 57, "second": 30}
